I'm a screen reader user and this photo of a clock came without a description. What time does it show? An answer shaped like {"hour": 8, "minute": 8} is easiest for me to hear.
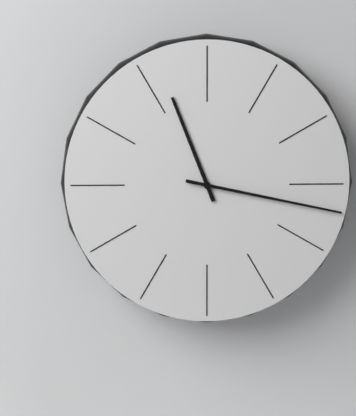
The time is {"hour": 11, "minute": 17}
